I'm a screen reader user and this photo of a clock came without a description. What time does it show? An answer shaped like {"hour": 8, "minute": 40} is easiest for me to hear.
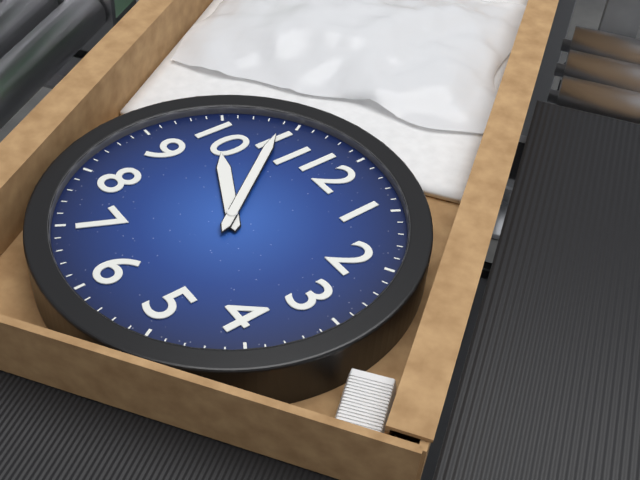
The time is {"hour": 9, "minute": 54}
